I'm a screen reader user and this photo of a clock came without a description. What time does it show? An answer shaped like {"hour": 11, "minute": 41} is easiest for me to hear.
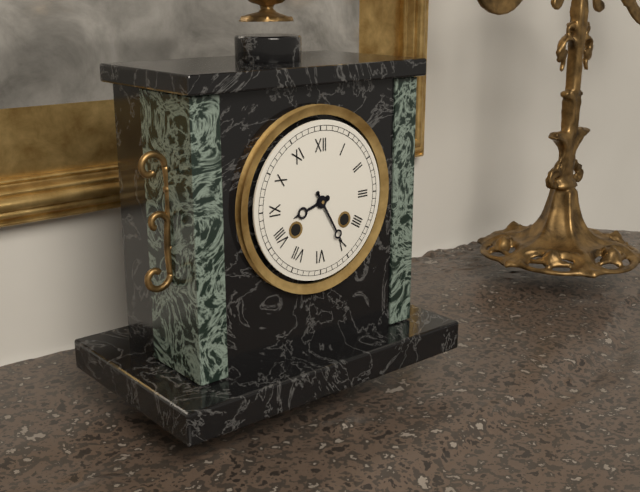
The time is {"hour": 8, "minute": 25}
